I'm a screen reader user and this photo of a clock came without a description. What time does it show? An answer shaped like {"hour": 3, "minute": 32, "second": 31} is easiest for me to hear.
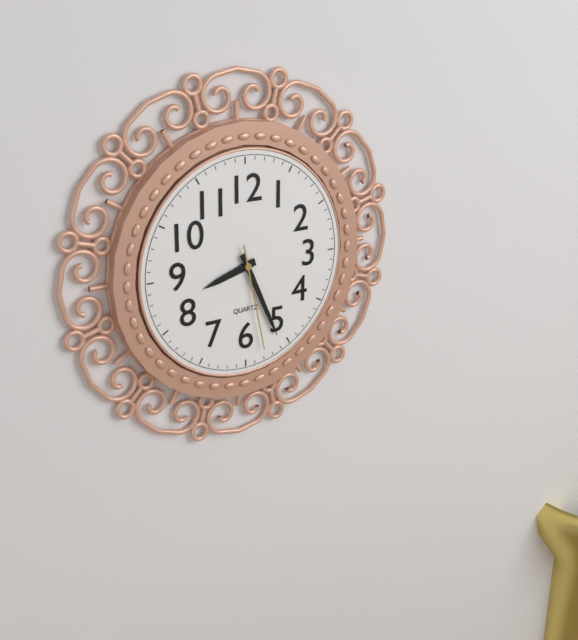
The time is {"hour": 8, "minute": 26, "second": 28}
